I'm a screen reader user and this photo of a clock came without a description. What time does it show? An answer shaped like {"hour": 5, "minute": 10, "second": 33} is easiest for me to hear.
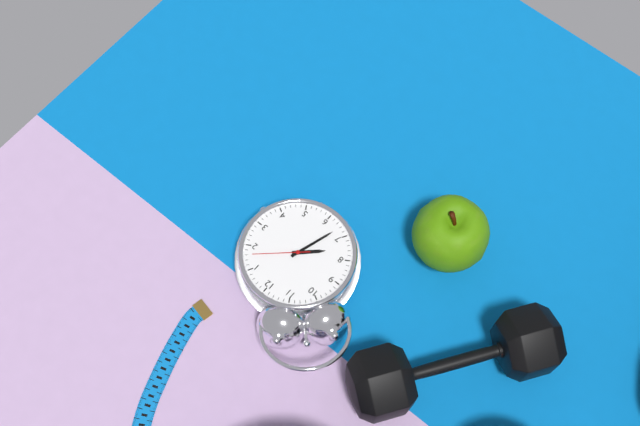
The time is {"hour": 7, "minute": 33, "second": 8}
